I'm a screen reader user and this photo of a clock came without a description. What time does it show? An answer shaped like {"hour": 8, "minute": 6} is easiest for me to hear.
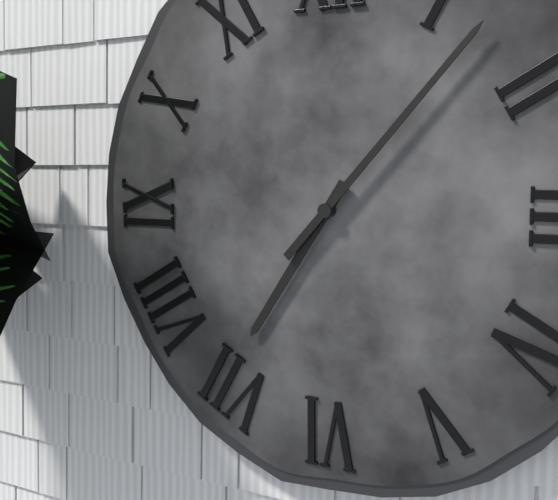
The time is {"hour": 7, "minute": 7}
